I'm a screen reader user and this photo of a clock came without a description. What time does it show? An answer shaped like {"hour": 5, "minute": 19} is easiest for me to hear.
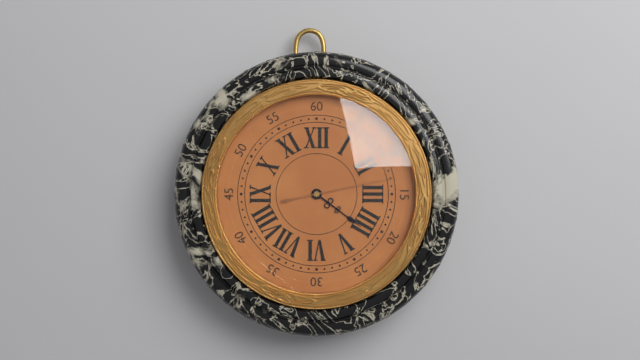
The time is {"hour": 4, "minute": 13}
